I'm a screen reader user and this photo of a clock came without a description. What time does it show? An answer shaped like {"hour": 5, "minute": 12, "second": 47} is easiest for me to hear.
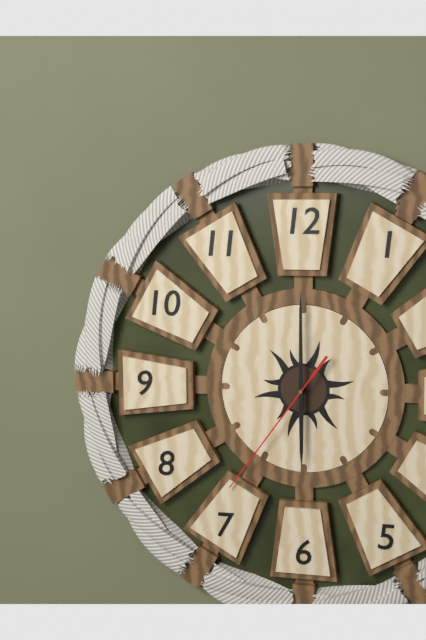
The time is {"hour": 6, "minute": 0, "second": 36}
